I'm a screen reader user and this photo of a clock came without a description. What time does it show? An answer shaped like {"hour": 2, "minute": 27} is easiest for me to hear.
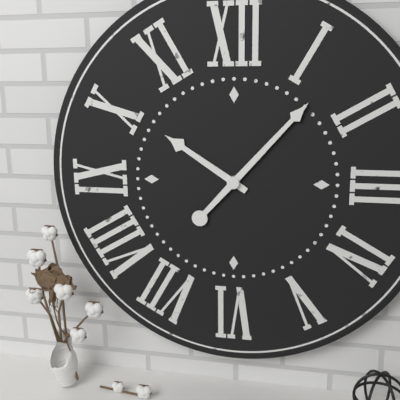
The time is {"hour": 10, "minute": 7}
